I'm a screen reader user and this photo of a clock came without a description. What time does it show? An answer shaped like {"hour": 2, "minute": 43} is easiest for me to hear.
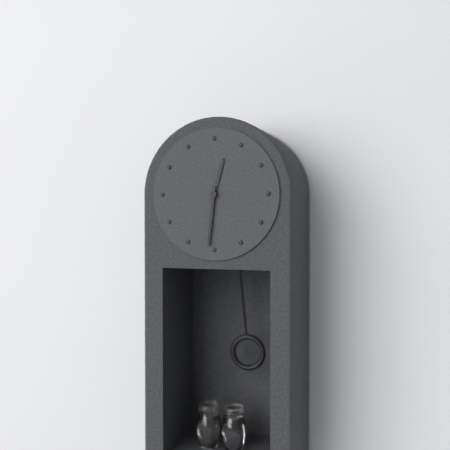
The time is {"hour": 12, "minute": 31}
